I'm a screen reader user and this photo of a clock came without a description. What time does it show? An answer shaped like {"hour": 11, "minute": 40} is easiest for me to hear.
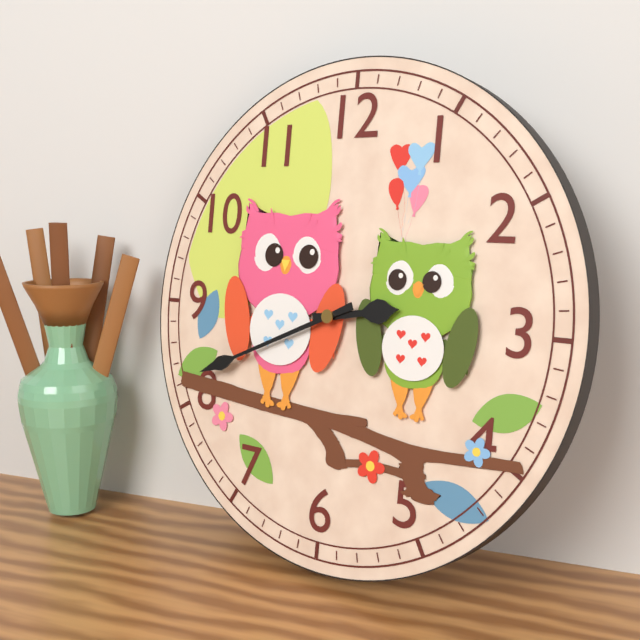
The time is {"hour": 2, "minute": 41}
